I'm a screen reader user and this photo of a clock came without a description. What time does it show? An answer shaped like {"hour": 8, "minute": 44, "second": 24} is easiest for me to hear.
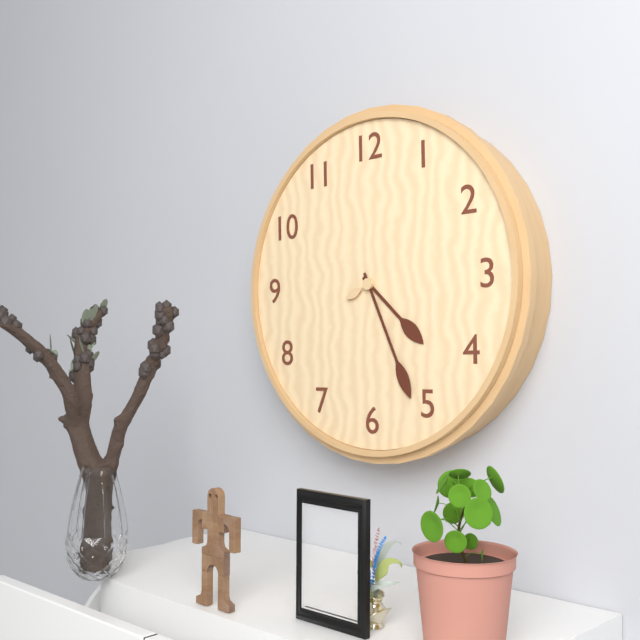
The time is {"hour": 4, "minute": 26, "second": 41}
